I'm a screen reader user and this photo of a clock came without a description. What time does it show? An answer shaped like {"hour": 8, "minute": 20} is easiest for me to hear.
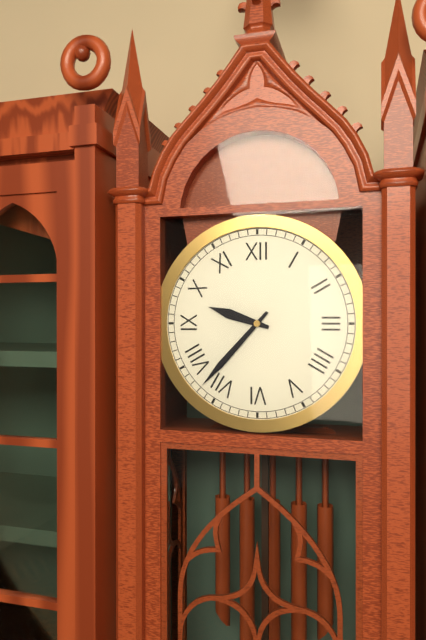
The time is {"hour": 9, "minute": 37}
